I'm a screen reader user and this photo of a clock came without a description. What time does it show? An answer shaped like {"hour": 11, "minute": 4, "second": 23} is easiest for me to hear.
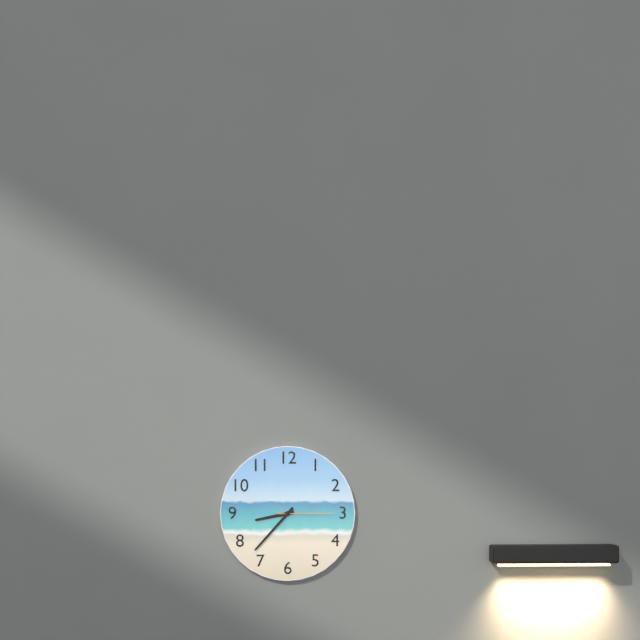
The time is {"hour": 8, "minute": 37, "second": 15}
